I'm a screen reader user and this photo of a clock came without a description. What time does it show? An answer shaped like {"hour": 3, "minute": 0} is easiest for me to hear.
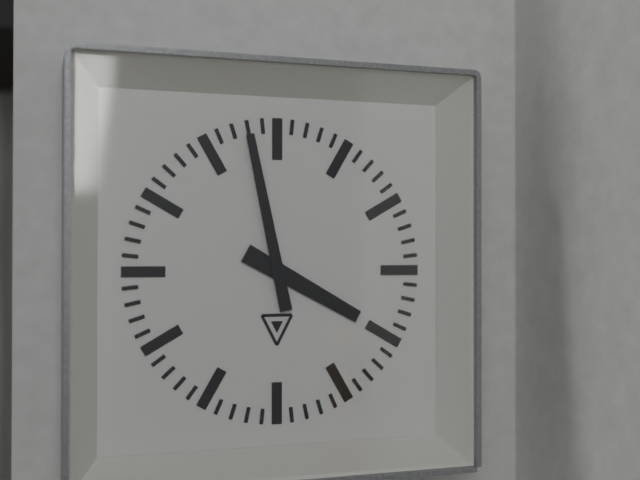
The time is {"hour": 3, "minute": 58}
